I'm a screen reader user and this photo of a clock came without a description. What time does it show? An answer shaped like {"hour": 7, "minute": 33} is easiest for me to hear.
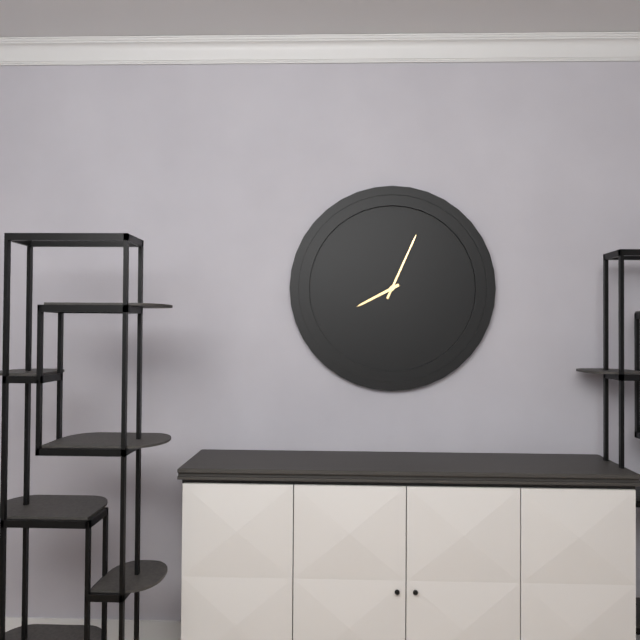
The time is {"hour": 8, "minute": 4}
